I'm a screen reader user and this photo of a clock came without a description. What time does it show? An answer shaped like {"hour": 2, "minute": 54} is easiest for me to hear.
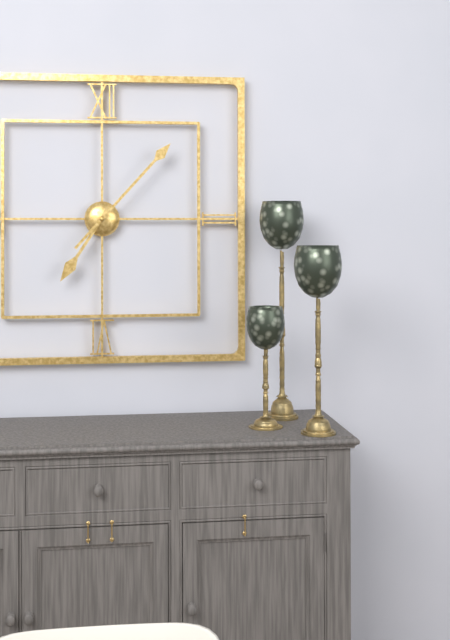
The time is {"hour": 7, "minute": 7}
